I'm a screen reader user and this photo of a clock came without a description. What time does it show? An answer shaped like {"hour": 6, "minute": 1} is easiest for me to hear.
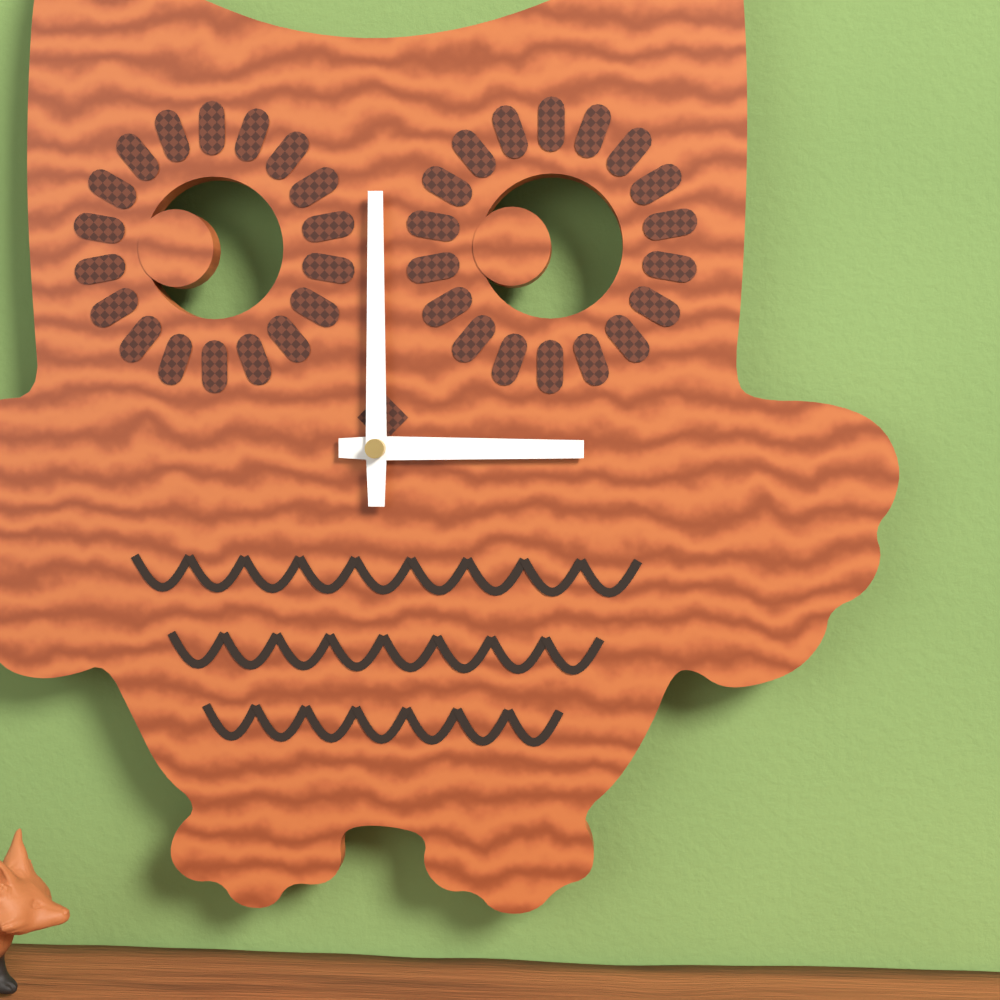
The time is {"hour": 3, "minute": 0}
